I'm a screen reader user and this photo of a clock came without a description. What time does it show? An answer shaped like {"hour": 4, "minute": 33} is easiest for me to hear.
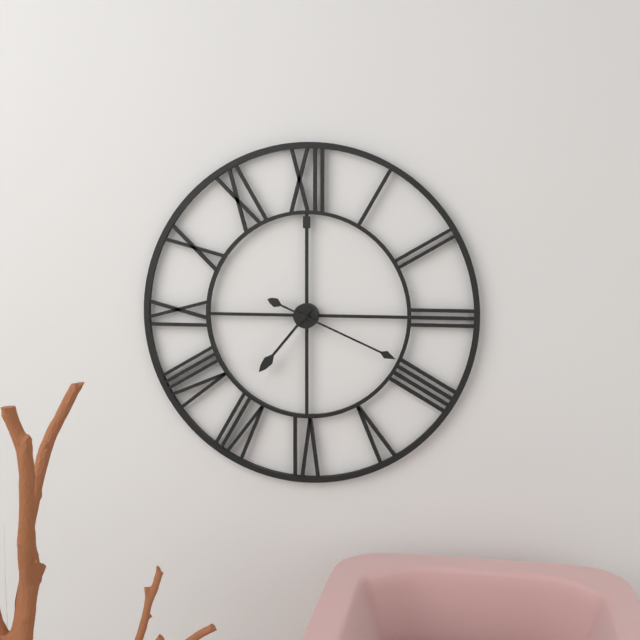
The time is {"hour": 7, "minute": 19}
